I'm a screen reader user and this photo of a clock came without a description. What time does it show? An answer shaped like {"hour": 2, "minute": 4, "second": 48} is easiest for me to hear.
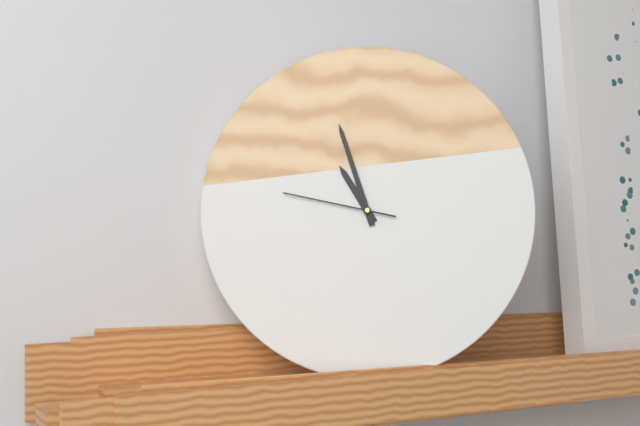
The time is {"hour": 10, "minute": 57, "second": 47}
